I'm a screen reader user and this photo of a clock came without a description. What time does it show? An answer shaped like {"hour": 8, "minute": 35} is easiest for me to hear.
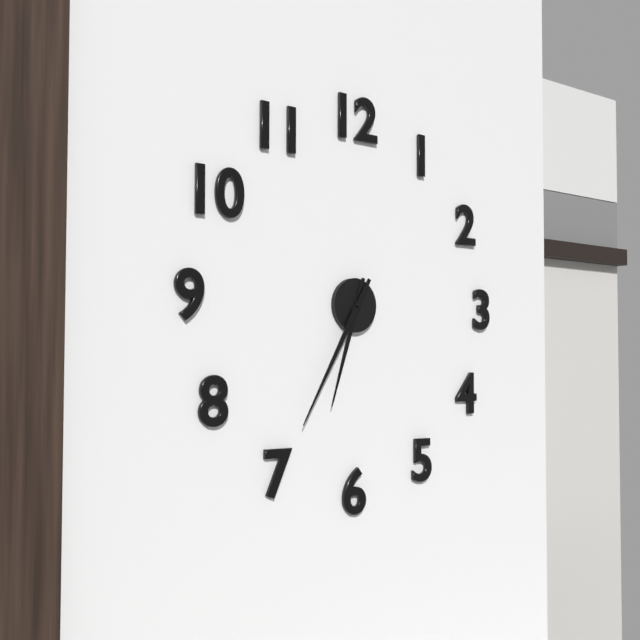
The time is {"hour": 6, "minute": 35}
